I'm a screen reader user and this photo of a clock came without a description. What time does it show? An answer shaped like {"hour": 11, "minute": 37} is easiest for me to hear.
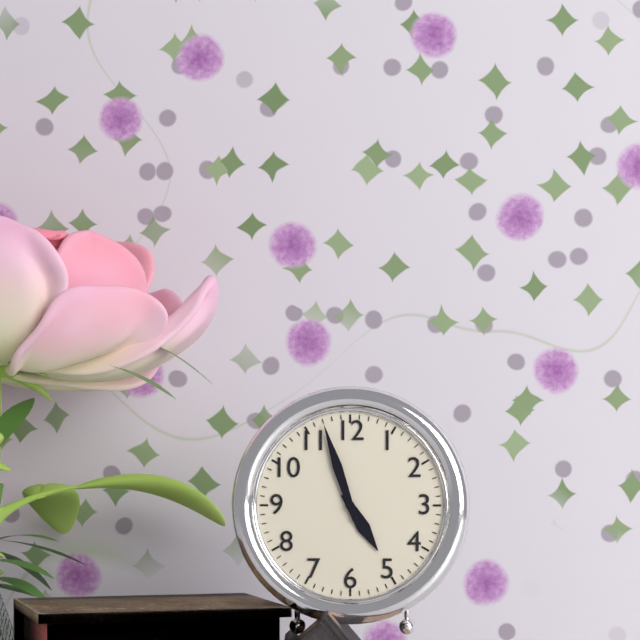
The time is {"hour": 4, "minute": 57}
